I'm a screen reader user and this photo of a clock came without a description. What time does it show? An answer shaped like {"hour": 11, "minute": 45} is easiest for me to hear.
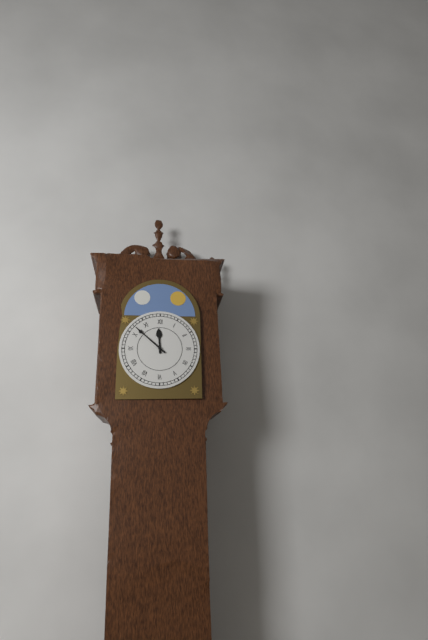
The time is {"hour": 11, "minute": 52}
